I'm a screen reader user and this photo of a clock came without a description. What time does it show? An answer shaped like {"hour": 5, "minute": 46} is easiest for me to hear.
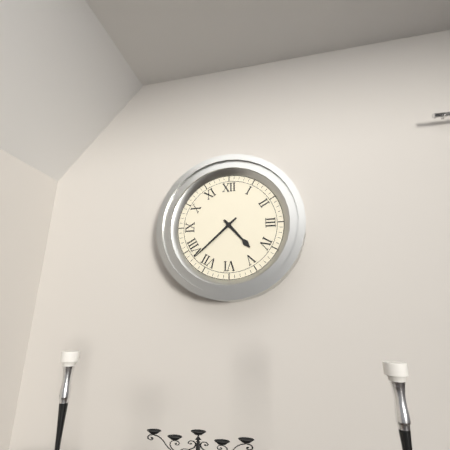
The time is {"hour": 4, "minute": 38}
